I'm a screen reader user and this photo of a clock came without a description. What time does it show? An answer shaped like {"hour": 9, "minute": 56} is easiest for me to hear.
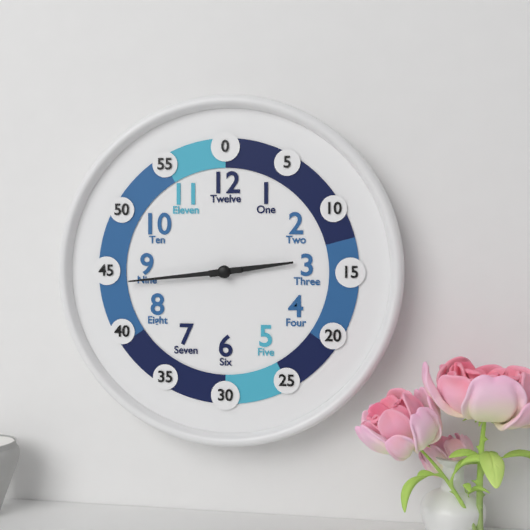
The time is {"hour": 2, "minute": 44}
